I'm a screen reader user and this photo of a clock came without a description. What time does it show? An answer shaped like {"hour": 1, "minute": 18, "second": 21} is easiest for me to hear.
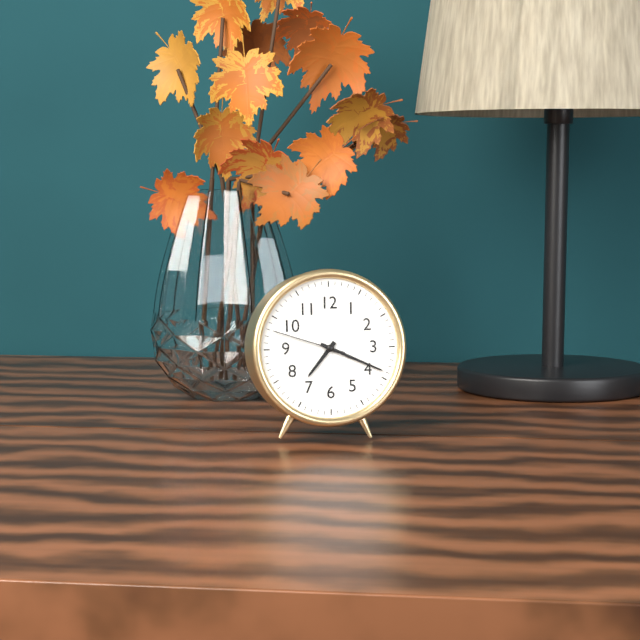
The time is {"hour": 7, "minute": 19, "second": 48}
